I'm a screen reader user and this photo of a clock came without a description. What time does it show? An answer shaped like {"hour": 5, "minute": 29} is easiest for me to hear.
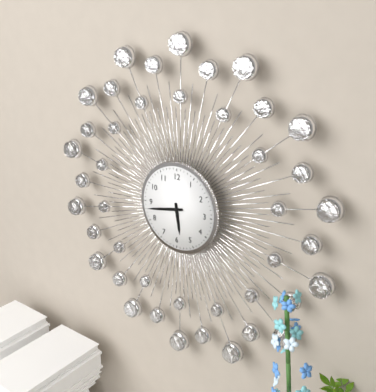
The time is {"hour": 5, "minute": 43}
